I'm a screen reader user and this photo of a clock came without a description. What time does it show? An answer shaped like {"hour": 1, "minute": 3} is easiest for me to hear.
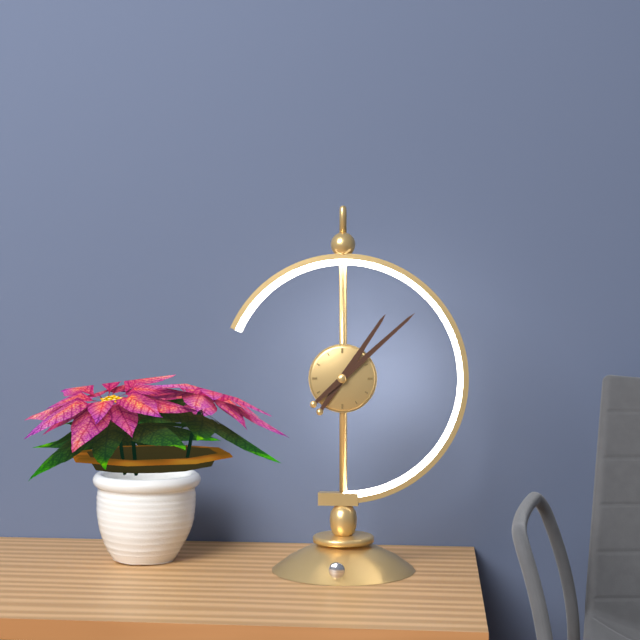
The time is {"hour": 1, "minute": 8}
